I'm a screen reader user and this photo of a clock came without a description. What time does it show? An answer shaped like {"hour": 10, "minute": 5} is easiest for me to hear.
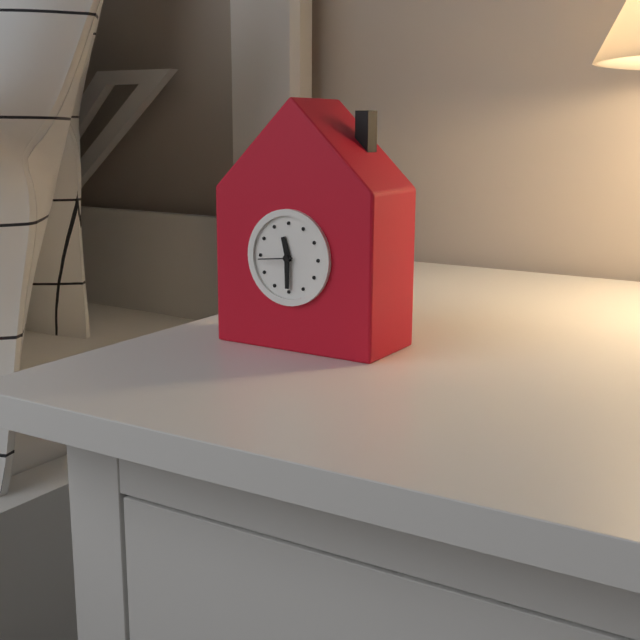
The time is {"hour": 11, "minute": 30}
